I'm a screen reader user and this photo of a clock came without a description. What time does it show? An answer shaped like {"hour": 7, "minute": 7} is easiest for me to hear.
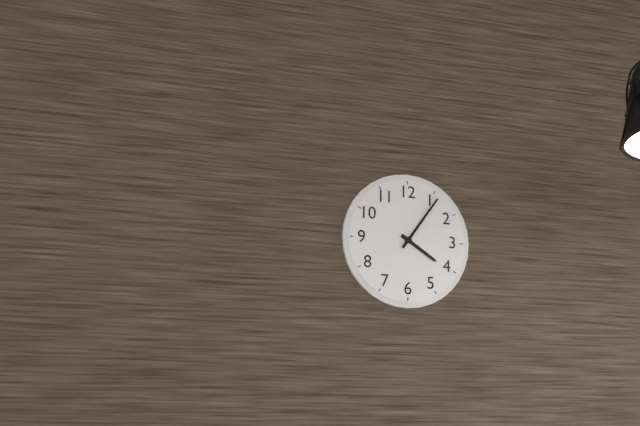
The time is {"hour": 4, "minute": 6}
